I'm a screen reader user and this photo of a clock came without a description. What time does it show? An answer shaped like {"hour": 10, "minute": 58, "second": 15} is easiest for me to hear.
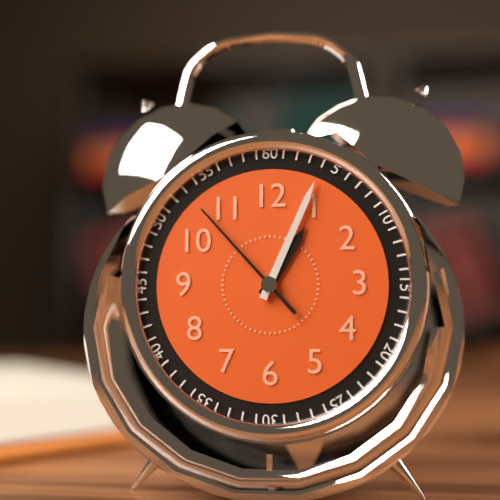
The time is {"hour": 1, "minute": 4, "second": 53}
